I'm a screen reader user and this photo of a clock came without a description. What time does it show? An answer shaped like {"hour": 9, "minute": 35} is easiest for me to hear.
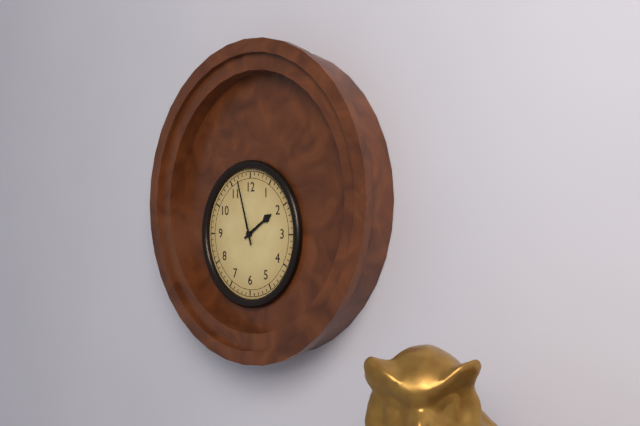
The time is {"hour": 1, "minute": 57}
